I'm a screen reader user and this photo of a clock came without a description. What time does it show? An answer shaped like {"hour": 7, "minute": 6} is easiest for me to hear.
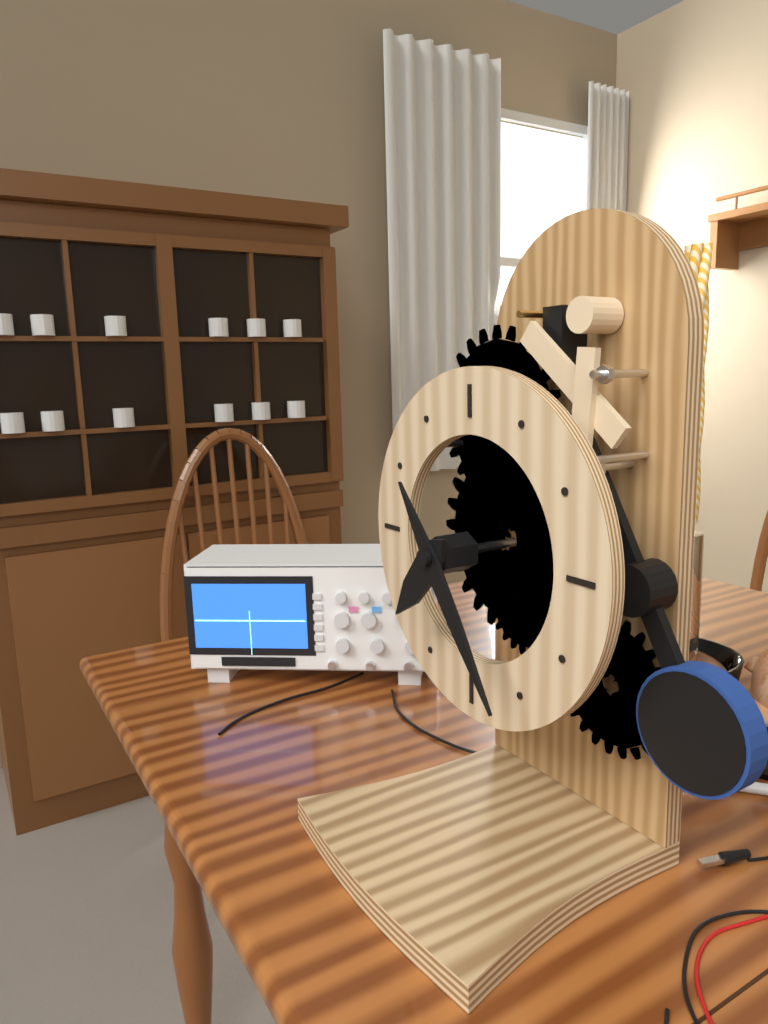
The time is {"hour": 7, "minute": 24}
